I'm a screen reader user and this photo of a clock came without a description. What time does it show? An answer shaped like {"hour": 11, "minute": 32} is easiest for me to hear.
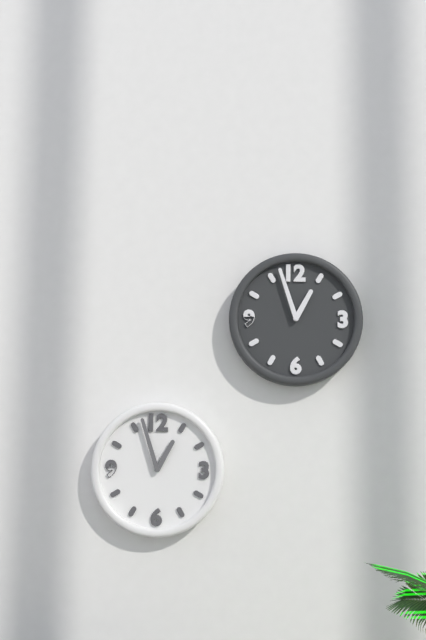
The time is {"hour": 12, "minute": 57}
